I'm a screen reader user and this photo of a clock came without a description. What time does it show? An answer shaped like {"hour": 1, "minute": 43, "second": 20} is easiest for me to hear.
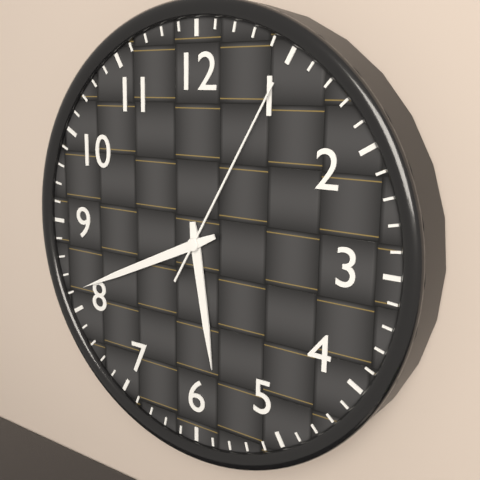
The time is {"hour": 5, "minute": 41, "second": 5}
